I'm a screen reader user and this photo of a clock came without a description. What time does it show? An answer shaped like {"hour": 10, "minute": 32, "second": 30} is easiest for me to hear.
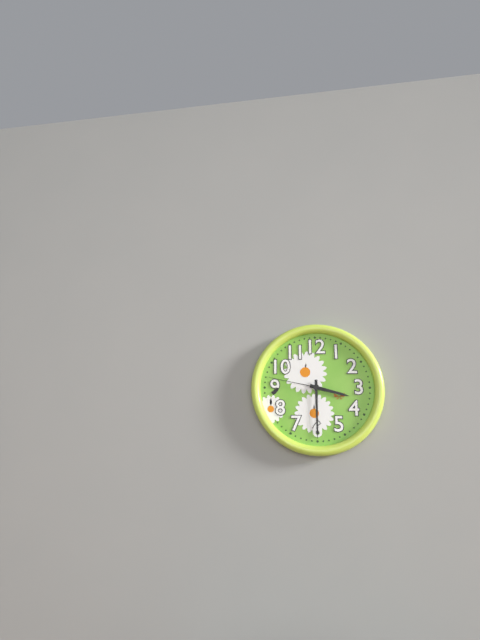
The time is {"hour": 3, "minute": 30, "second": 47}
